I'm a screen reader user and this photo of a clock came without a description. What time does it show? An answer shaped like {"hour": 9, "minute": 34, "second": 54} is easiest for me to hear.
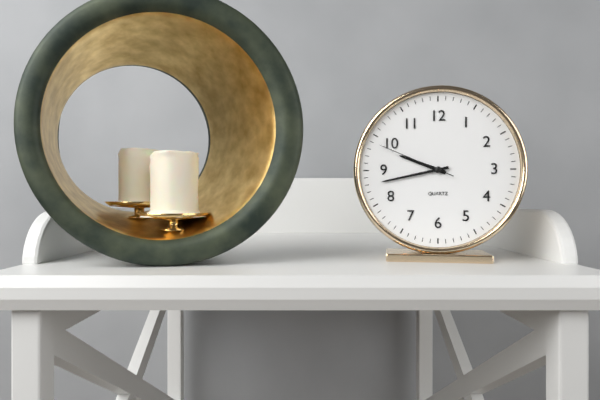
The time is {"hour": 9, "minute": 43, "second": 49}
